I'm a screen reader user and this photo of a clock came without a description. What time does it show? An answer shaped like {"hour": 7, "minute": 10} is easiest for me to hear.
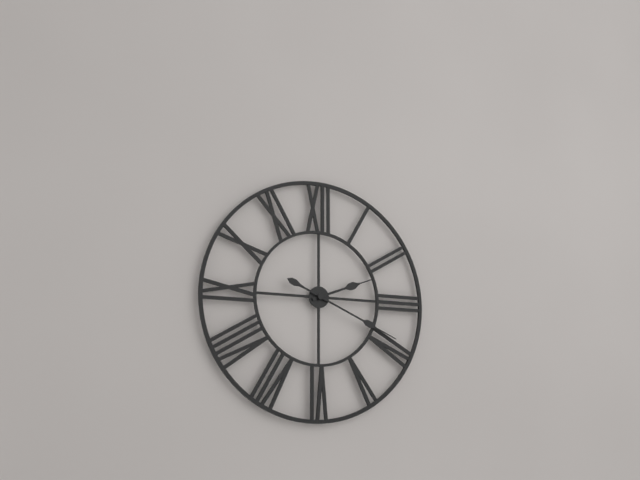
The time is {"hour": 2, "minute": 19}
